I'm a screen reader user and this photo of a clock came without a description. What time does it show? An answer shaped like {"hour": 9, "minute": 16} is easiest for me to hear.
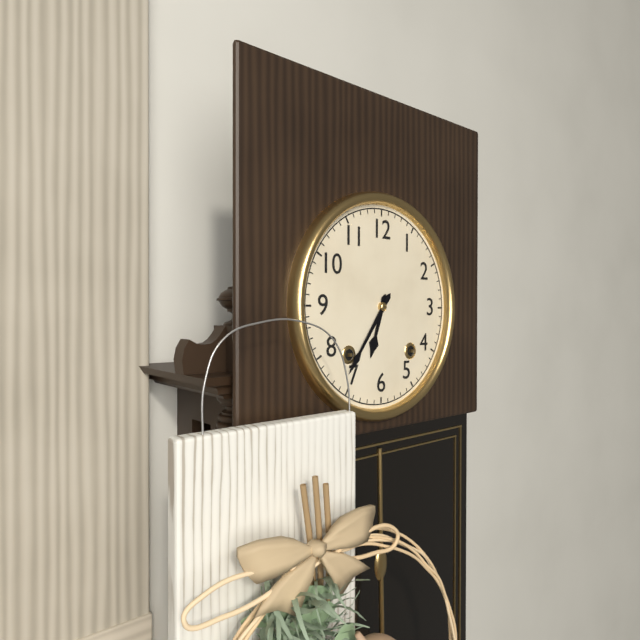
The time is {"hour": 6, "minute": 36}
